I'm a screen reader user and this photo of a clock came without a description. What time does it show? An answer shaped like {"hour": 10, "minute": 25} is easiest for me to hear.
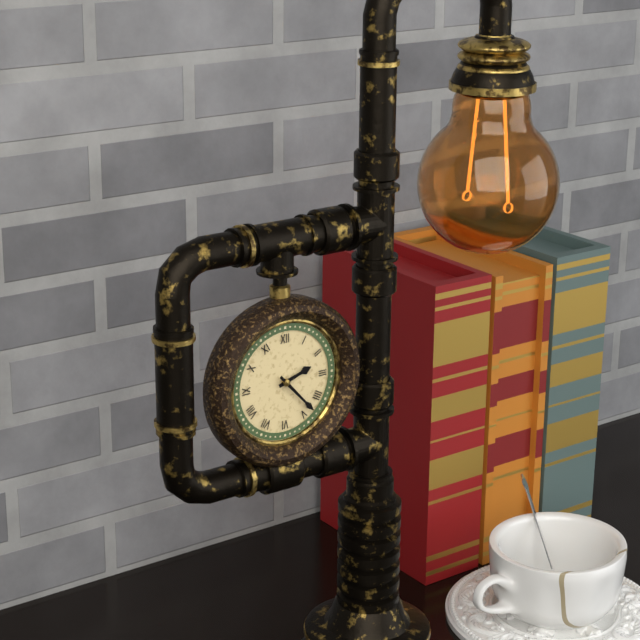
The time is {"hour": 2, "minute": 23}
